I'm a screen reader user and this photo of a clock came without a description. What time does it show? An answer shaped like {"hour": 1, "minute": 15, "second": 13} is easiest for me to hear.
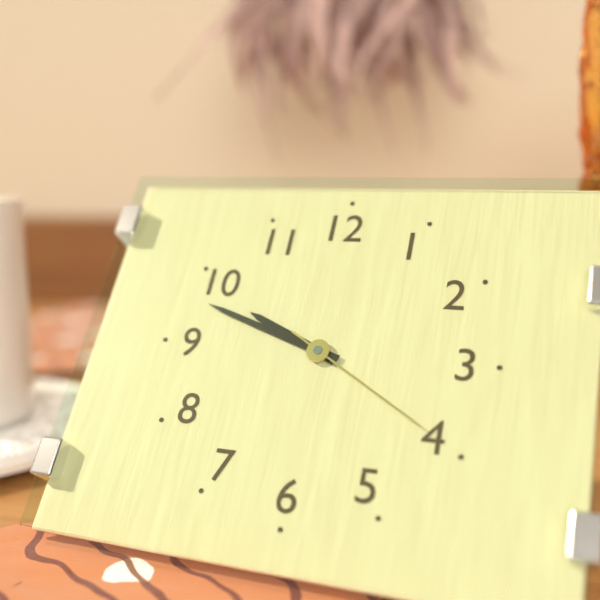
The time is {"hour": 9, "minute": 48, "second": 20}
